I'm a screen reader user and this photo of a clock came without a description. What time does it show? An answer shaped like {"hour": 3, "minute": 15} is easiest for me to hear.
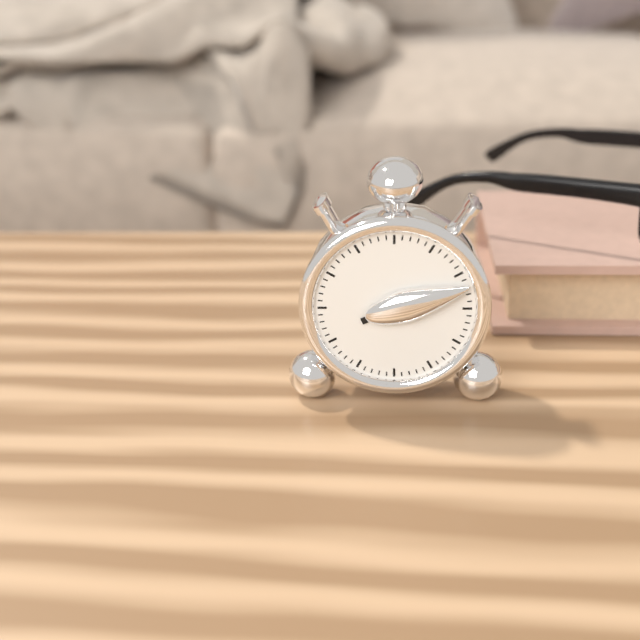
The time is {"hour": 8, "minute": 12}
